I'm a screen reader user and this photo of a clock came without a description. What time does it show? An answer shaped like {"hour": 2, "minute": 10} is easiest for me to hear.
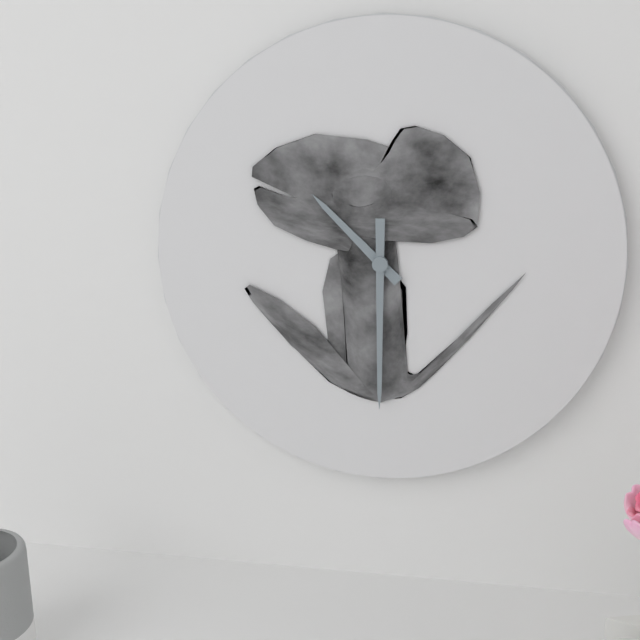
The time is {"hour": 10, "minute": 30}
